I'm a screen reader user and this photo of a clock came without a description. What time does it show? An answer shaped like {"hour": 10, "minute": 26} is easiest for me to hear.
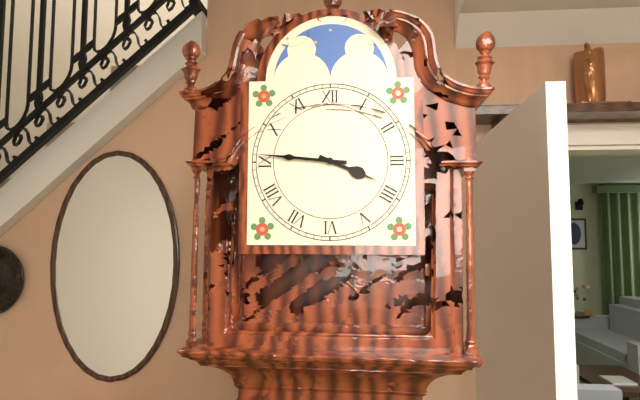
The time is {"hour": 3, "minute": 46}
